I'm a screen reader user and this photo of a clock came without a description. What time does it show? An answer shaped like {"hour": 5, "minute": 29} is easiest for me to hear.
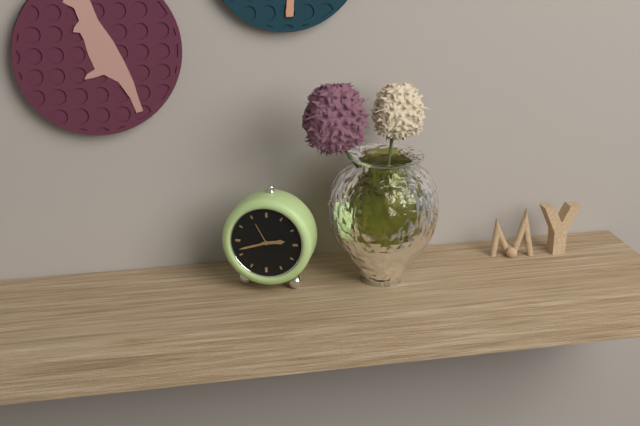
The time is {"hour": 2, "minute": 42}
